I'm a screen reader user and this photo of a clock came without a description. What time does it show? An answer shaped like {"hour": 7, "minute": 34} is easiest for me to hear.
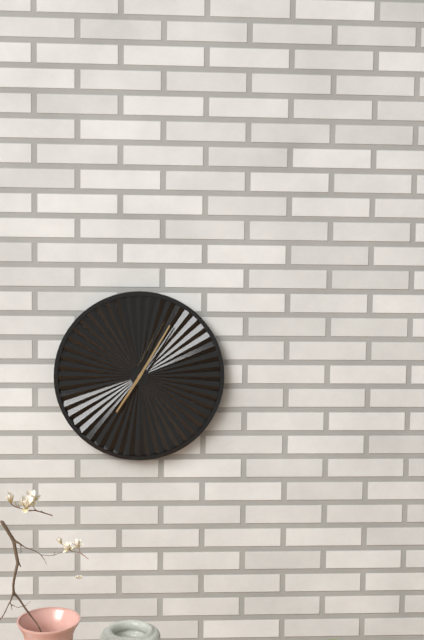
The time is {"hour": 7, "minute": 5}
